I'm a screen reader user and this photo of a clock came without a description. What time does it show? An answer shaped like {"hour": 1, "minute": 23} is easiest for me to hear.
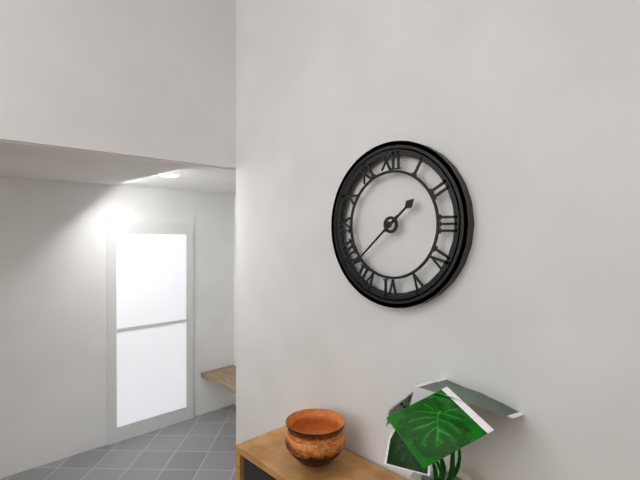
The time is {"hour": 1, "minute": 38}
